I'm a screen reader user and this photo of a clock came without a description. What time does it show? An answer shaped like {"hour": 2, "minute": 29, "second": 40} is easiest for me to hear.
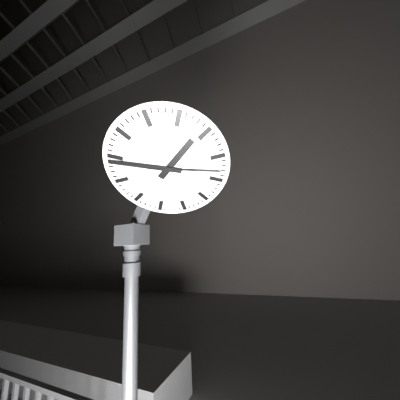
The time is {"hour": 1, "minute": 49, "second": 18}
